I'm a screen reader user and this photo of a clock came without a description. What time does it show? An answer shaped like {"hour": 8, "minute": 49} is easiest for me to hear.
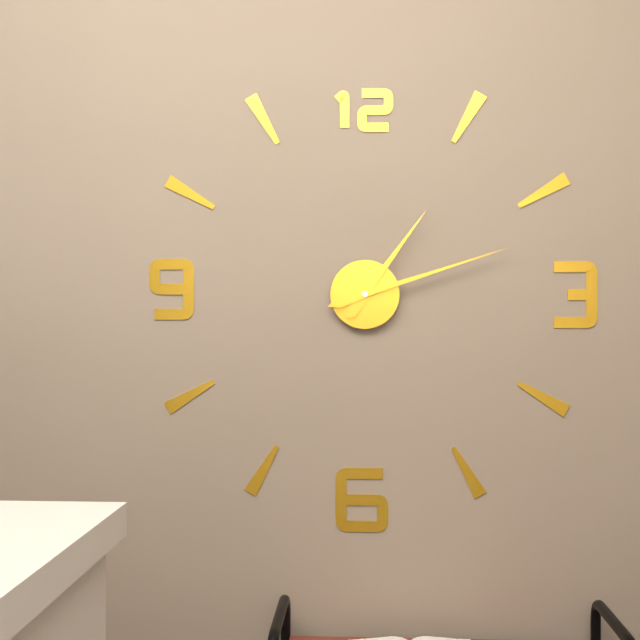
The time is {"hour": 1, "minute": 12}
